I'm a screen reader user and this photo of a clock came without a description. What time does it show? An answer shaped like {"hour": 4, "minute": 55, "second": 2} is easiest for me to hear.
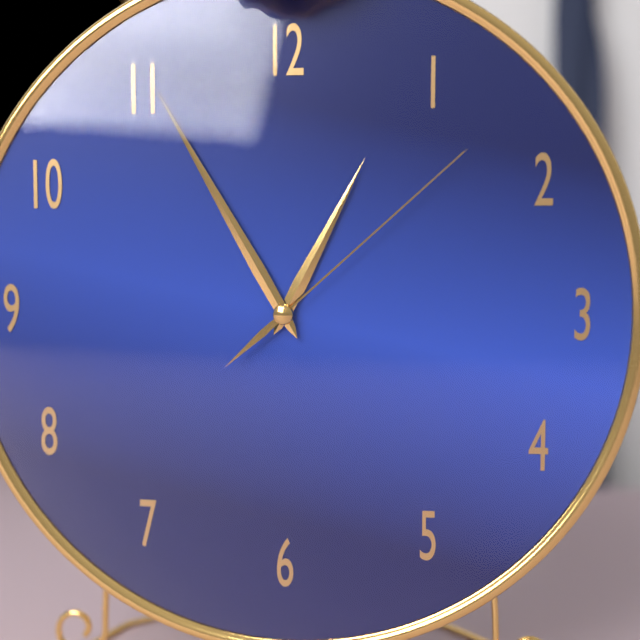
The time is {"hour": 12, "minute": 55, "second": 8}
